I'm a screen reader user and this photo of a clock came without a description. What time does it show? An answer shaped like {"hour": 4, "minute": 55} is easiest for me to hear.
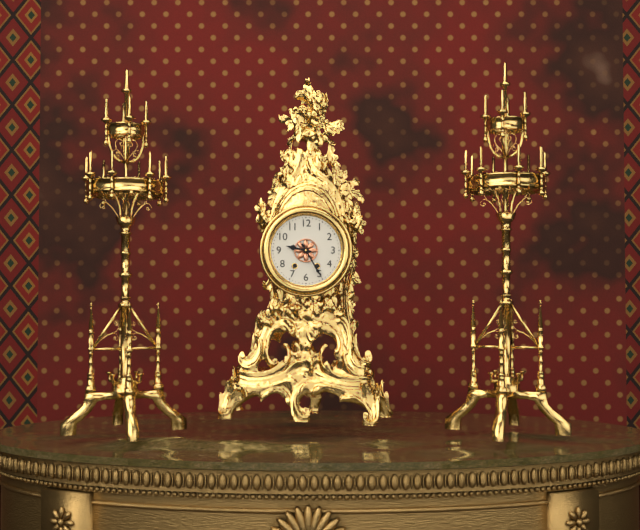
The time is {"hour": 9, "minute": 25}
